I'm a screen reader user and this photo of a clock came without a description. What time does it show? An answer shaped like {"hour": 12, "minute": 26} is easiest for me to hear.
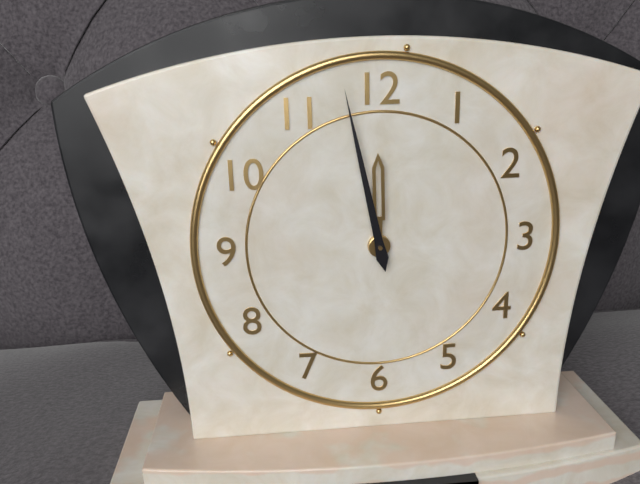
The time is {"hour": 11, "minute": 58}
